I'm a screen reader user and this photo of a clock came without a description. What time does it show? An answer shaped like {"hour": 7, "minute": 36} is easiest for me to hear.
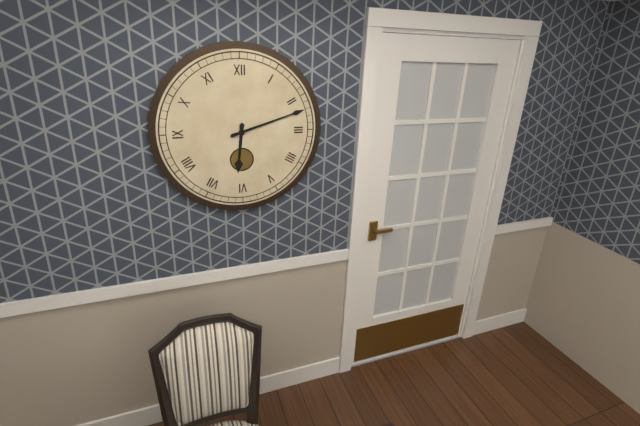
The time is {"hour": 6, "minute": 12}
